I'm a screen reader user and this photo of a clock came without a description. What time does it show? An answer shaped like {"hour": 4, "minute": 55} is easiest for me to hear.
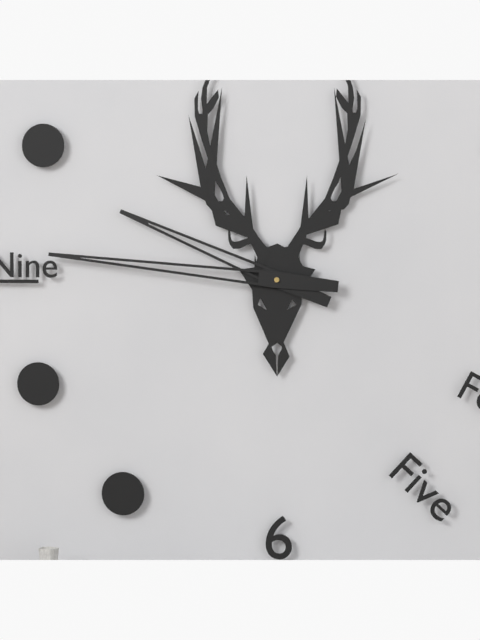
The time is {"hour": 9, "minute": 46}
